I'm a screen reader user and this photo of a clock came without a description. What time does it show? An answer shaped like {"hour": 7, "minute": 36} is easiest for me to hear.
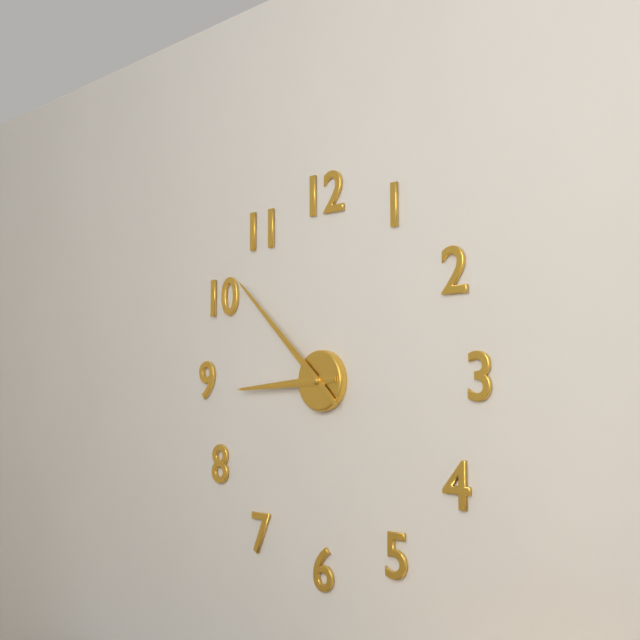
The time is {"hour": 8, "minute": 52}
